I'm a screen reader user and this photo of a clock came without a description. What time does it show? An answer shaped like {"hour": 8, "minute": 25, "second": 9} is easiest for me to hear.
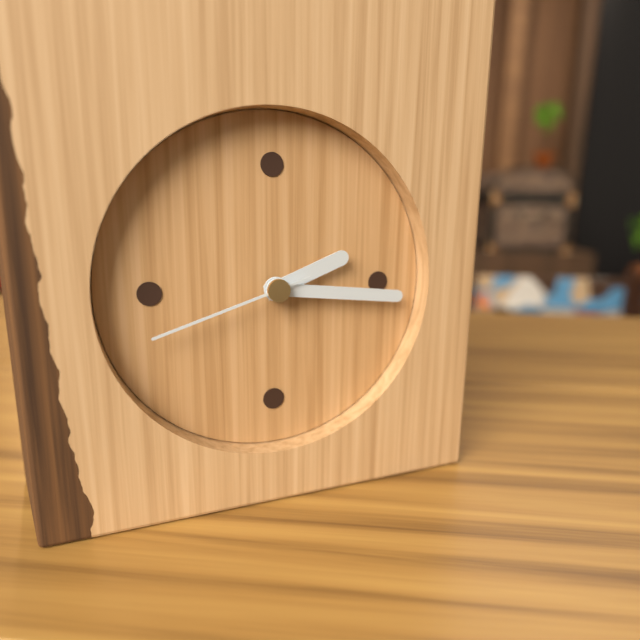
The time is {"hour": 2, "minute": 16, "second": 42}
